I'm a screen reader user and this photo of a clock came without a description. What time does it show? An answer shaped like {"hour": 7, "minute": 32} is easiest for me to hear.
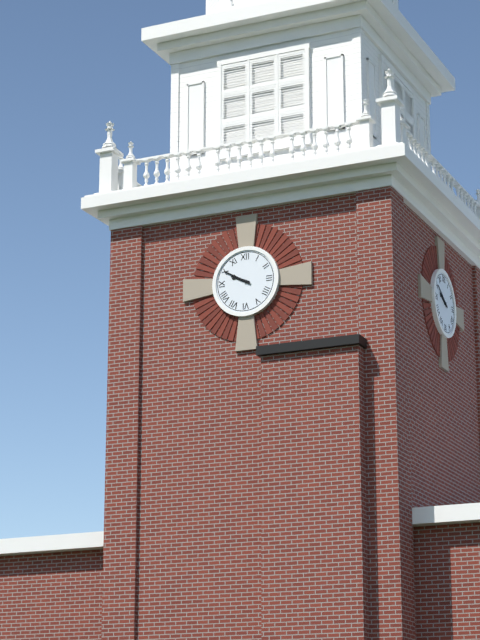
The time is {"hour": 9, "minute": 50}
